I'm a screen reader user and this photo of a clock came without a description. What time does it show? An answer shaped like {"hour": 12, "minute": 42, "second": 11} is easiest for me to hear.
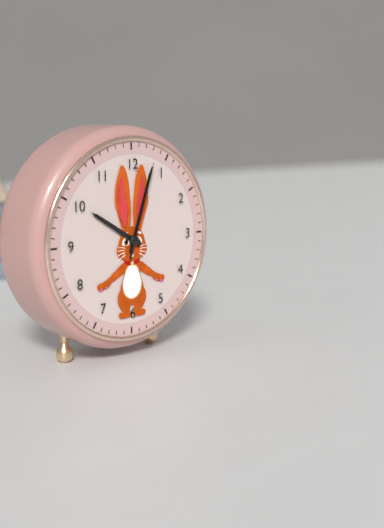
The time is {"hour": 10, "minute": 3, "second": 3}
